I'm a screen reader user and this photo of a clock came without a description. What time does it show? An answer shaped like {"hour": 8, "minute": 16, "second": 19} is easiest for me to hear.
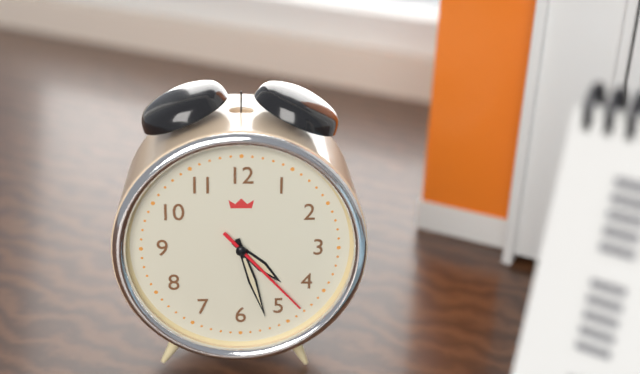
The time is {"hour": 4, "minute": 27, "second": 23}
